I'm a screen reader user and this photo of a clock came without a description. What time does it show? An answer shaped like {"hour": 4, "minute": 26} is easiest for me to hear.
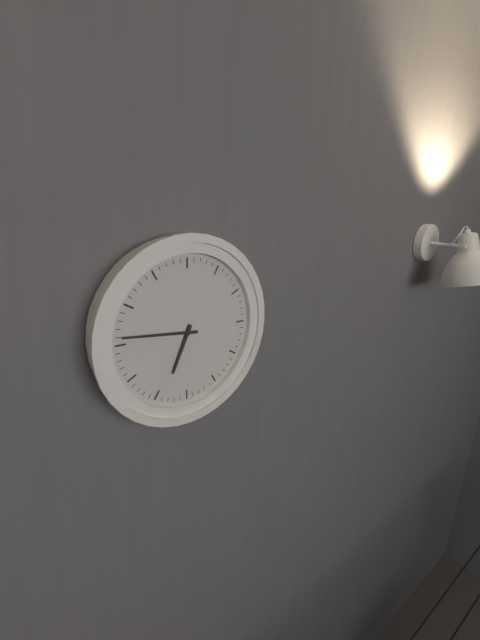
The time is {"hour": 6, "minute": 46}
